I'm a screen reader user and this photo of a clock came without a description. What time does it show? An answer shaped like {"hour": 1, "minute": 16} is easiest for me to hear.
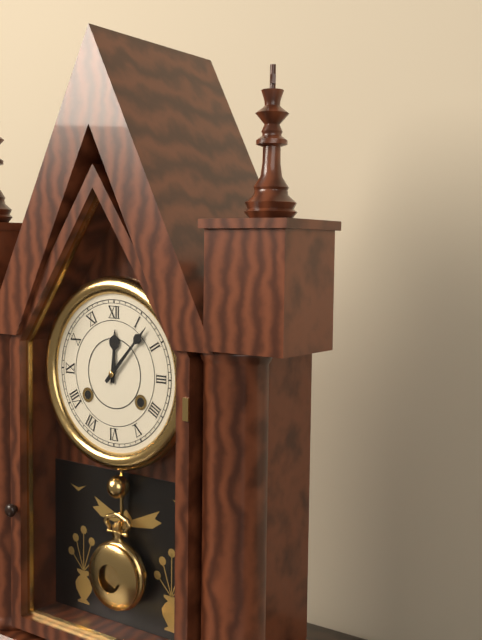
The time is {"hour": 12, "minute": 7}
